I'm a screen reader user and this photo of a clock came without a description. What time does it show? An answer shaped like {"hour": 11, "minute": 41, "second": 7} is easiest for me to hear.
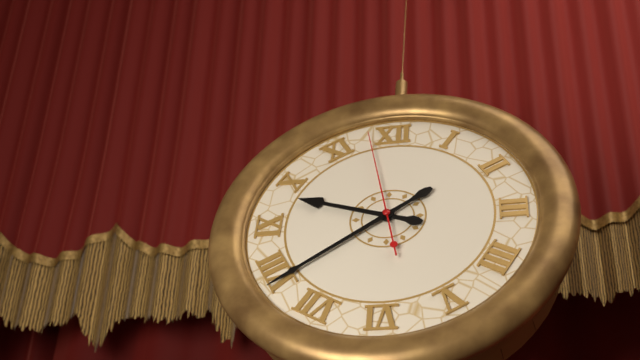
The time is {"hour": 9, "minute": 39, "second": 58}
